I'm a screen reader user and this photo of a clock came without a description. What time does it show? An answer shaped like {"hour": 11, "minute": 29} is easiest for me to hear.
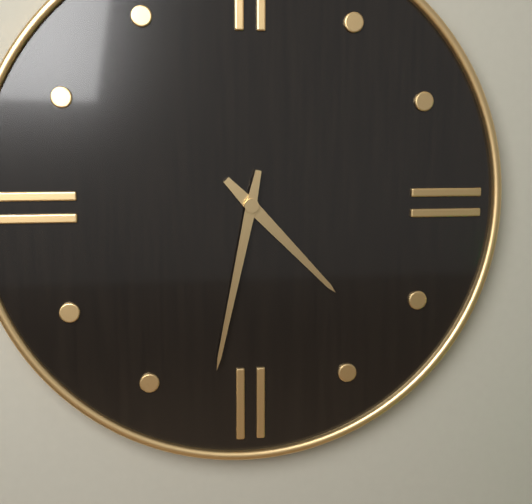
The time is {"hour": 4, "minute": 32}
